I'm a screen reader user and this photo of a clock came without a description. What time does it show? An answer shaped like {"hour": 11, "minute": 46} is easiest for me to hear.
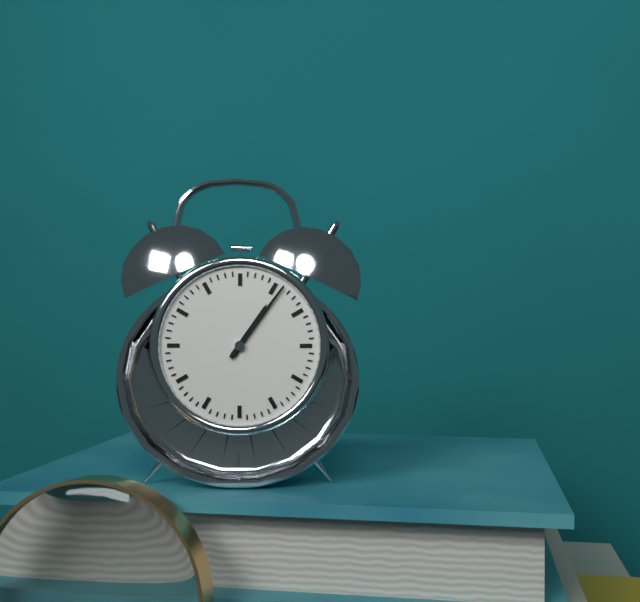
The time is {"hour": 1, "minute": 6}
